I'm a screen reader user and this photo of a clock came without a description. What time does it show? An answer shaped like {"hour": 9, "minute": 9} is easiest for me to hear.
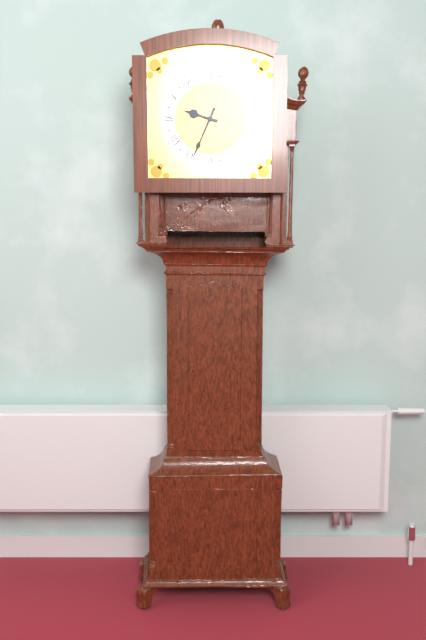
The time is {"hour": 9, "minute": 34}
